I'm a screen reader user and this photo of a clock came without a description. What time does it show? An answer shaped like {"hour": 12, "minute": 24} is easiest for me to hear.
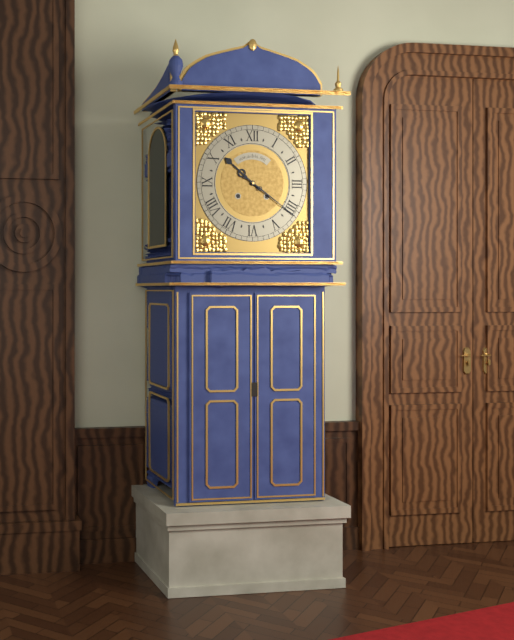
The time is {"hour": 10, "minute": 21}
